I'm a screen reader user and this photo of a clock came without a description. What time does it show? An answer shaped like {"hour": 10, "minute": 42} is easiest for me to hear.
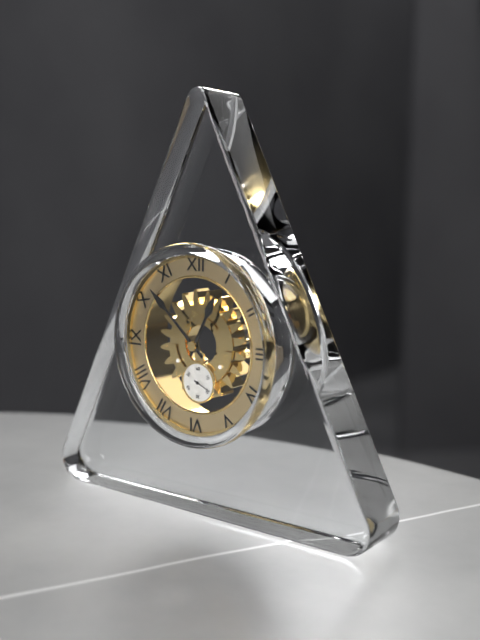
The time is {"hour": 12, "minute": 52}
